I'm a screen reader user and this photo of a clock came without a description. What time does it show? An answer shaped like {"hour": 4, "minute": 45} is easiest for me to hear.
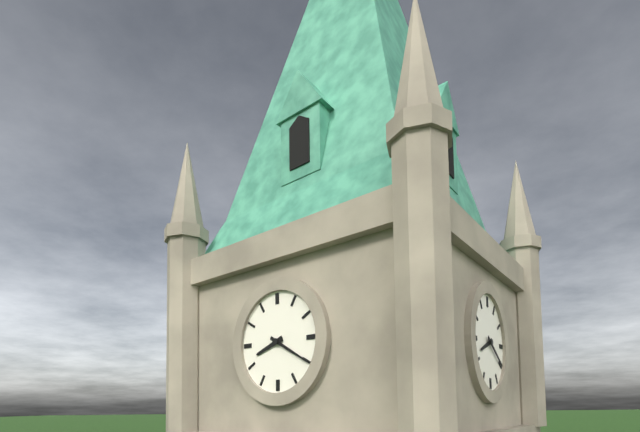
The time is {"hour": 8, "minute": 20}
